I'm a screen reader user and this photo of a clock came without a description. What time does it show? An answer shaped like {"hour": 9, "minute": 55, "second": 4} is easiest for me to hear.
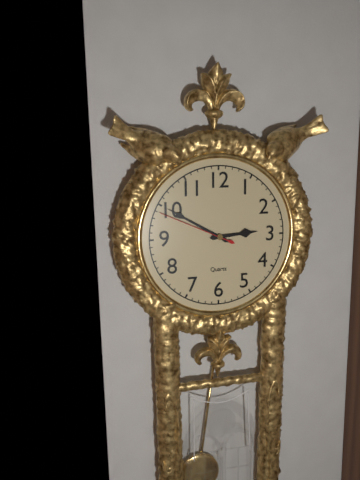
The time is {"hour": 2, "minute": 50, "second": 49}
